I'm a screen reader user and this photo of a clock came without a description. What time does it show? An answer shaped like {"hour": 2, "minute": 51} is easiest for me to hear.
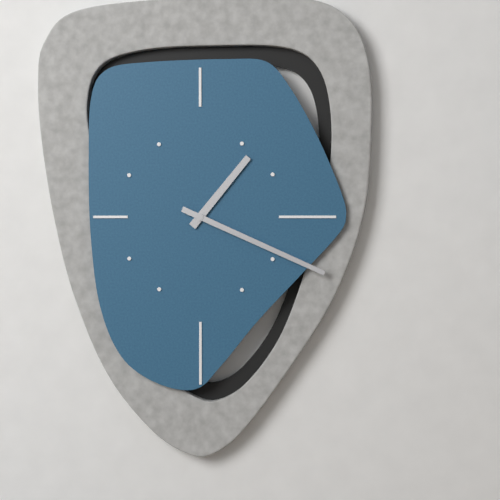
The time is {"hour": 1, "minute": 19}
